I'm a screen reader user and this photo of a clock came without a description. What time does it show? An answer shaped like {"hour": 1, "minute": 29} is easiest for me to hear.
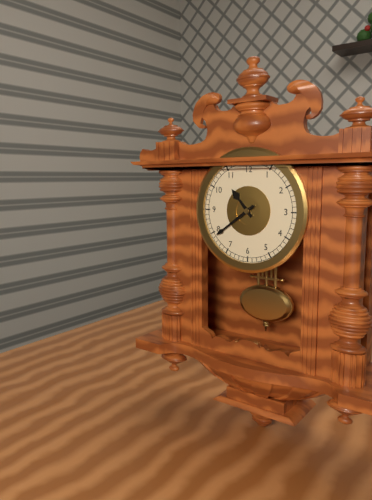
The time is {"hour": 10, "minute": 39}
